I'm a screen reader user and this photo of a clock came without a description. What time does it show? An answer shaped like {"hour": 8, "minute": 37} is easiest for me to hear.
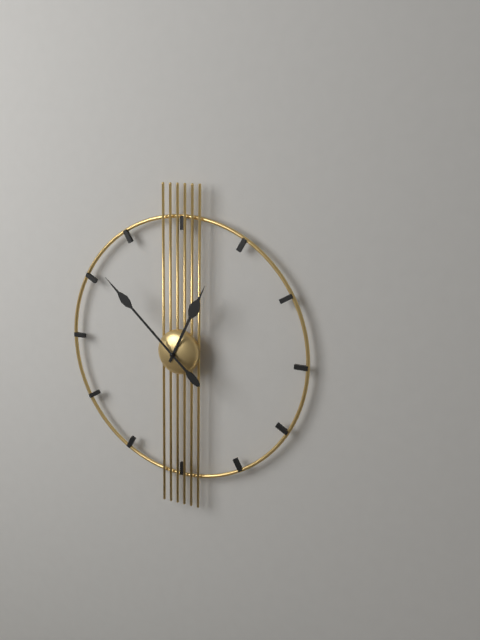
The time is {"hour": 12, "minute": 52}
